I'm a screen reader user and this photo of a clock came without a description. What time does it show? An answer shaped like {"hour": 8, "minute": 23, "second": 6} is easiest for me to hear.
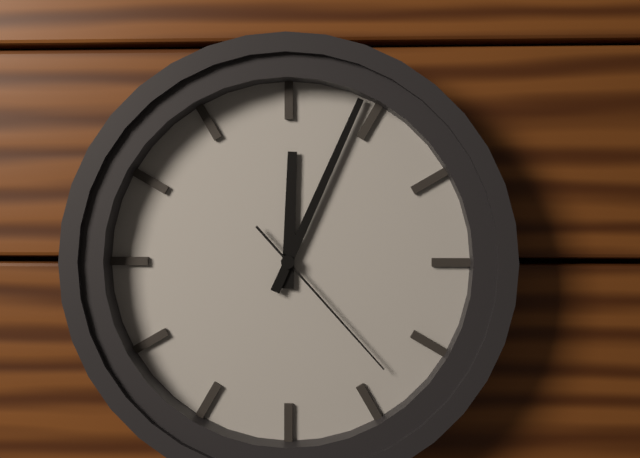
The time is {"hour": 12, "minute": 4, "second": 23}
